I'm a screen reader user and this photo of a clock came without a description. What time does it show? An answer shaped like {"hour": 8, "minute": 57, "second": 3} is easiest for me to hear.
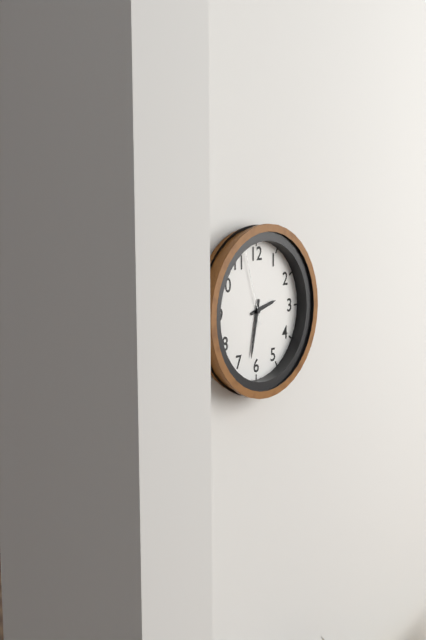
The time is {"hour": 2, "minute": 32, "second": 57}
